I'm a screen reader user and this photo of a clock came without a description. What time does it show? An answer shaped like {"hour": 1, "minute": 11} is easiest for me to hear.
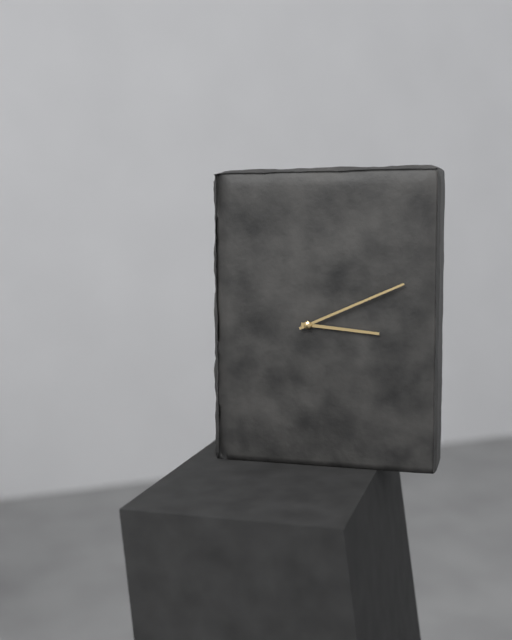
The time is {"hour": 3, "minute": 11}
